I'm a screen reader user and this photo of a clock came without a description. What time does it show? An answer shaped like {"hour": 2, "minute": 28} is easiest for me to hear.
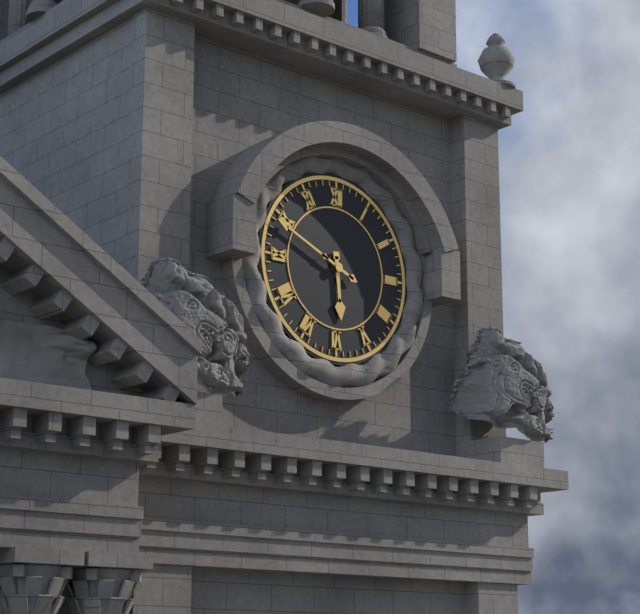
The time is {"hour": 5, "minute": 49}
